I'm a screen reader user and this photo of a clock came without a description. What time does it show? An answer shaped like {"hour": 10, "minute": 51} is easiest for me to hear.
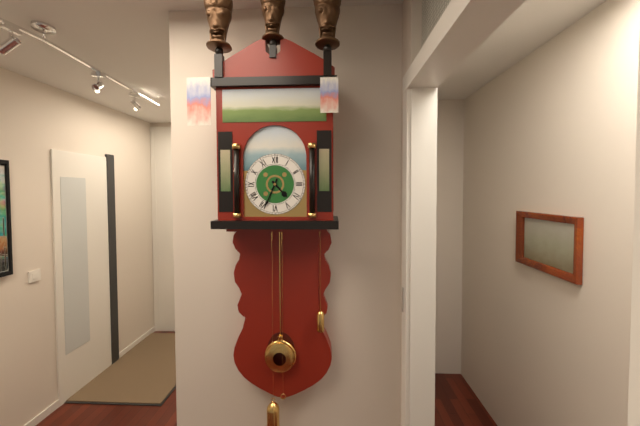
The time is {"hour": 4, "minute": 34}
